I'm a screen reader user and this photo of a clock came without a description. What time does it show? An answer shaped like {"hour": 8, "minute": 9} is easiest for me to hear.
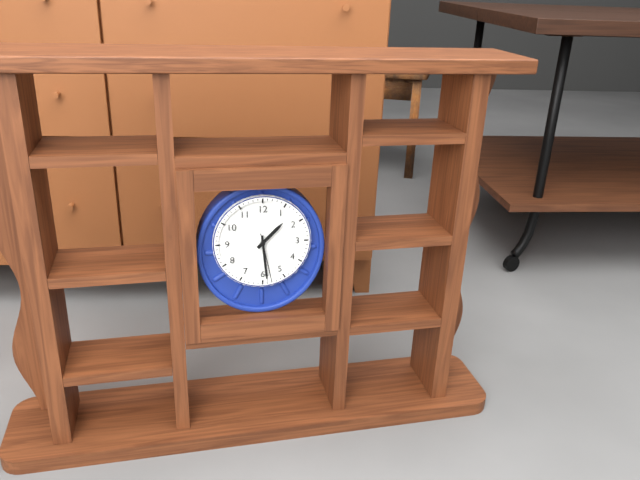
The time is {"hour": 1, "minute": 29}
